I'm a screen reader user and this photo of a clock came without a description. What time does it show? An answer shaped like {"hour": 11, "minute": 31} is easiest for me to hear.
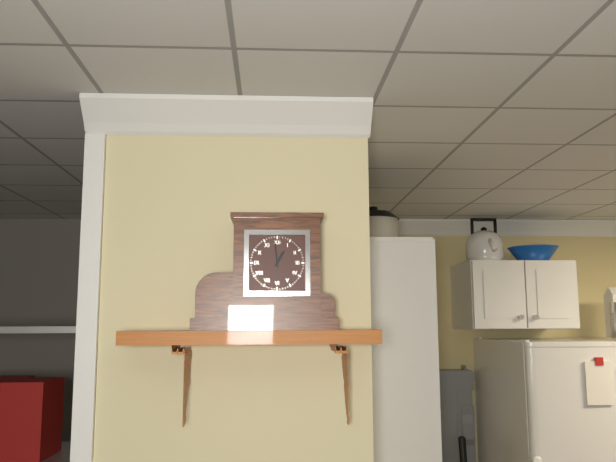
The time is {"hour": 12, "minute": 59}
